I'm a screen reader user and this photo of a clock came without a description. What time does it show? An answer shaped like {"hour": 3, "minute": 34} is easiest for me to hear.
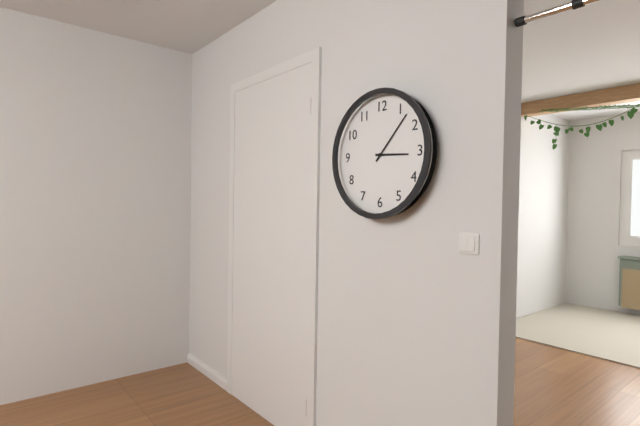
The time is {"hour": 3, "minute": 7}
